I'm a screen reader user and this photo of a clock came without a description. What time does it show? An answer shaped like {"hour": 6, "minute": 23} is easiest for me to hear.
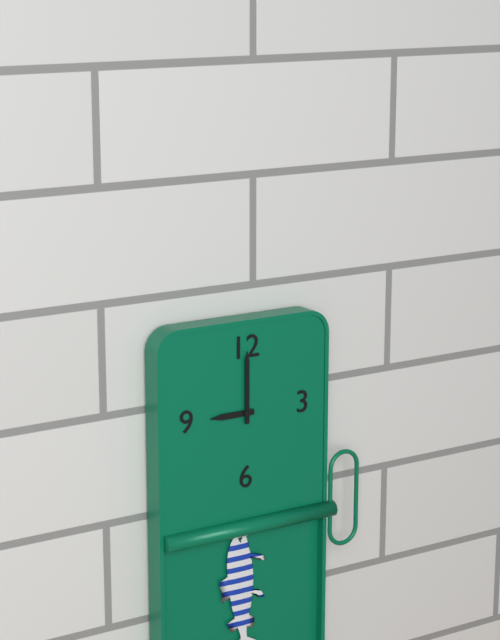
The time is {"hour": 9, "minute": 0}
